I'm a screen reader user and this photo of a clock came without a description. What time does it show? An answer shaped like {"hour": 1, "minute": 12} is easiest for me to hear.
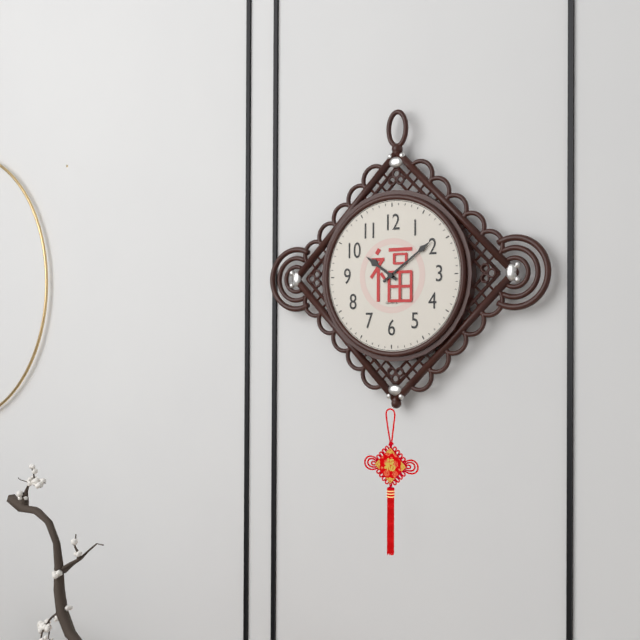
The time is {"hour": 10, "minute": 9}
